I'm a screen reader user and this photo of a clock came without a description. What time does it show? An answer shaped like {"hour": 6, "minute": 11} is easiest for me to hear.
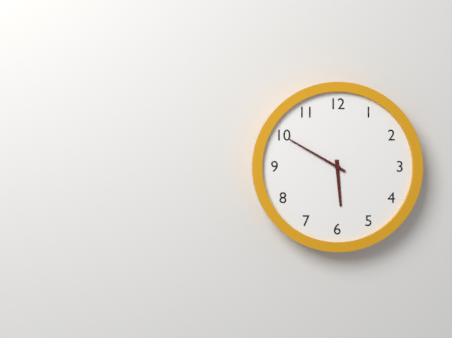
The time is {"hour": 5, "minute": 50}
